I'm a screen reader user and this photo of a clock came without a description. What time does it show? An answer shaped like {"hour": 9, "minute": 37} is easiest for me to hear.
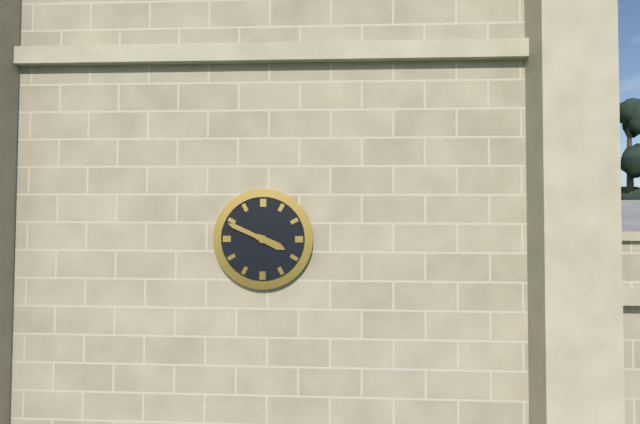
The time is {"hour": 3, "minute": 49}
